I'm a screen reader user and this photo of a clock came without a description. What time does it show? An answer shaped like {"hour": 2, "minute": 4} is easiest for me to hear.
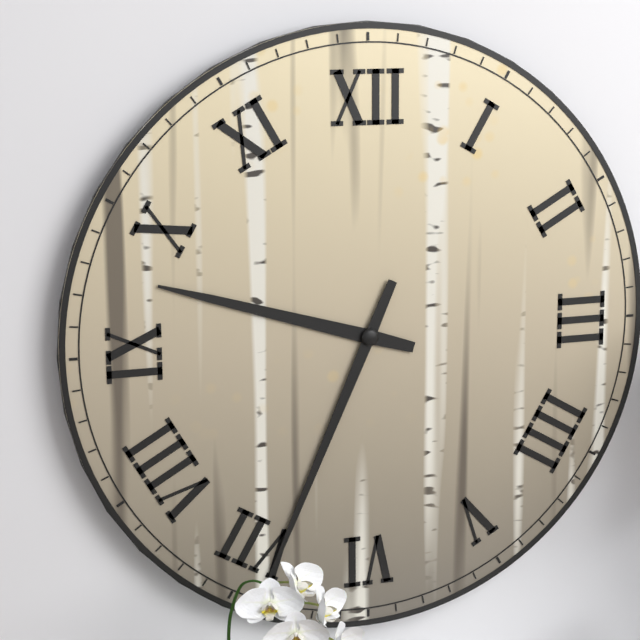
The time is {"hour": 9, "minute": 34}
